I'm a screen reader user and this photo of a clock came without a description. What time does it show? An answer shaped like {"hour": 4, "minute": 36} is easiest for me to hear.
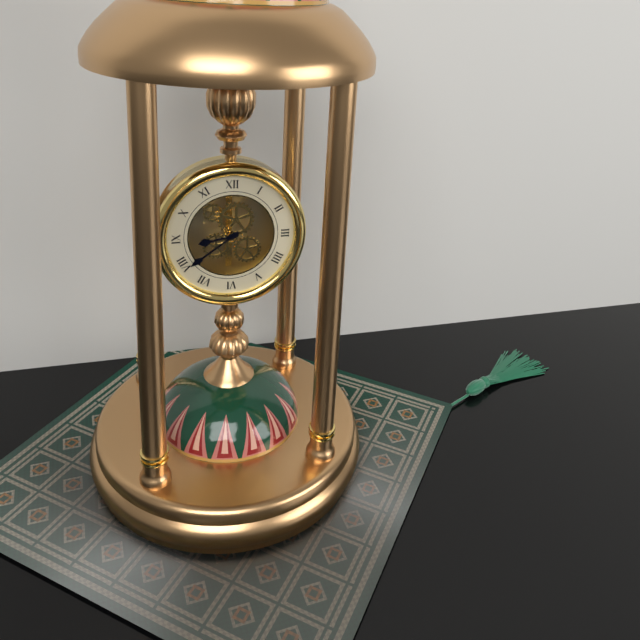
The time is {"hour": 8, "minute": 39}
